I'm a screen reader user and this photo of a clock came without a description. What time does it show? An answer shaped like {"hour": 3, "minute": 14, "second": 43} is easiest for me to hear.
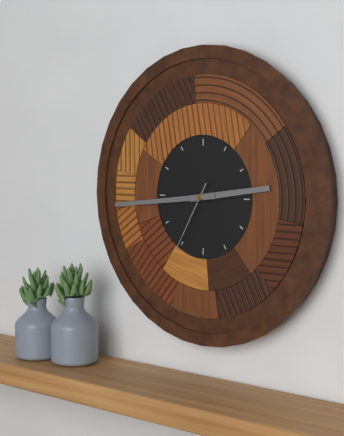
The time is {"hour": 2, "minute": 44, "second": 35}
